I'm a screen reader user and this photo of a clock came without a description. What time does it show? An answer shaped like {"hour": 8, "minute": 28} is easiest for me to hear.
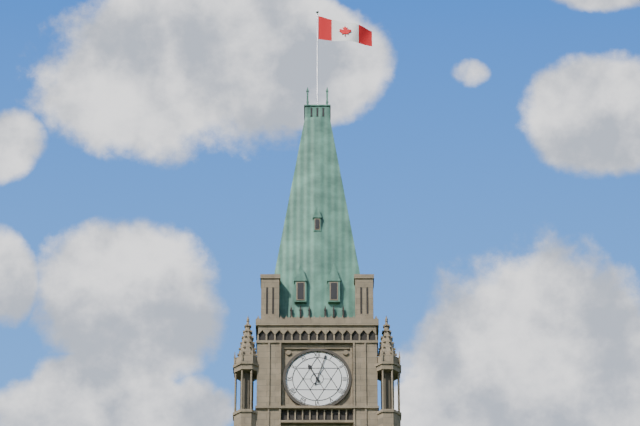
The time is {"hour": 11, "minute": 3}
